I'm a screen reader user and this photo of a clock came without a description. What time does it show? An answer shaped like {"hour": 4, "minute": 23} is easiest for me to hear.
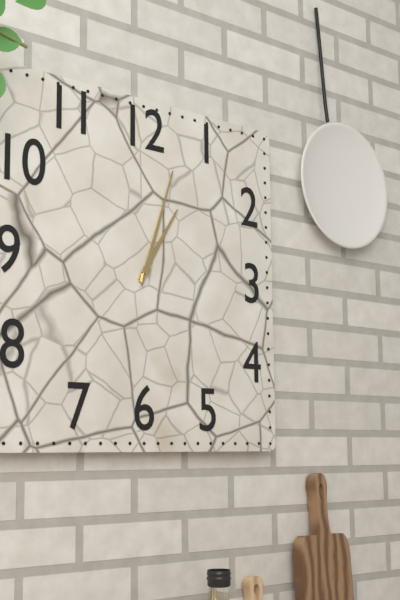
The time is {"hour": 1, "minute": 3}
